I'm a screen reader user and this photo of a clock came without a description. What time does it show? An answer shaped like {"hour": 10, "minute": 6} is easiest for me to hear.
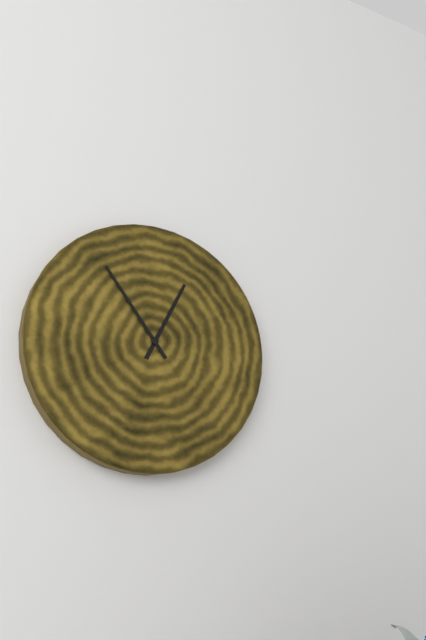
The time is {"hour": 12, "minute": 54}
